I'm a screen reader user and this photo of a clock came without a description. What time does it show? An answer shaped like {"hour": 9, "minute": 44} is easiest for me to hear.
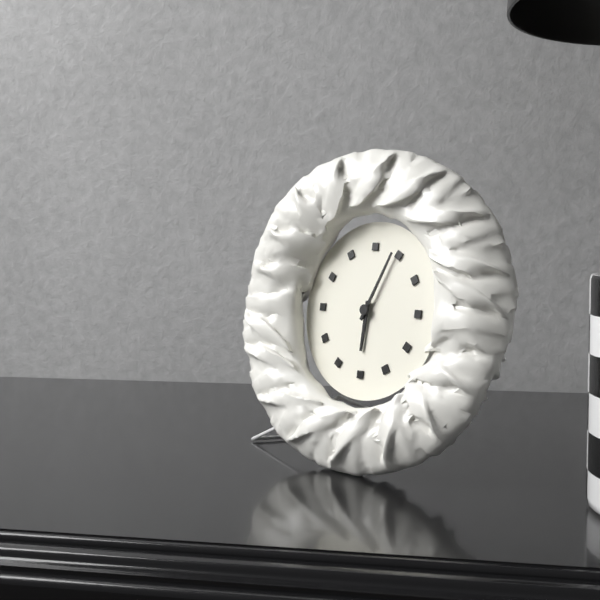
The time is {"hour": 6, "minute": 4}
